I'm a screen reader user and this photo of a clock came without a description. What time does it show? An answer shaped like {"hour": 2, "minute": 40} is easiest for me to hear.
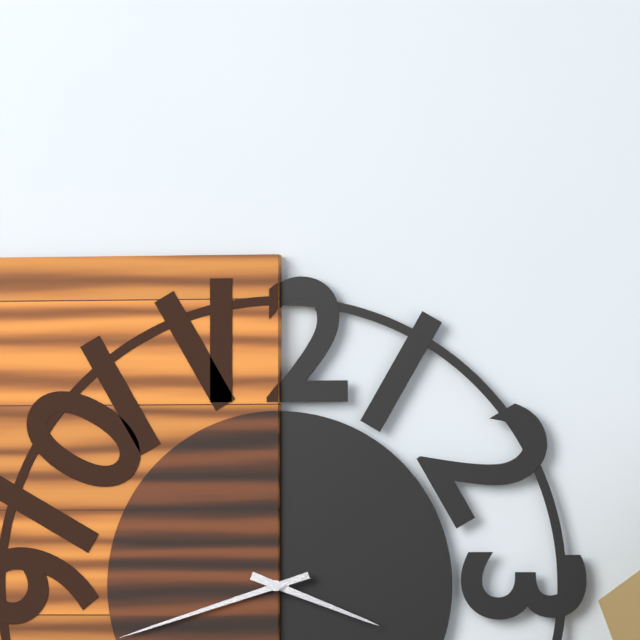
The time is {"hour": 3, "minute": 42}
